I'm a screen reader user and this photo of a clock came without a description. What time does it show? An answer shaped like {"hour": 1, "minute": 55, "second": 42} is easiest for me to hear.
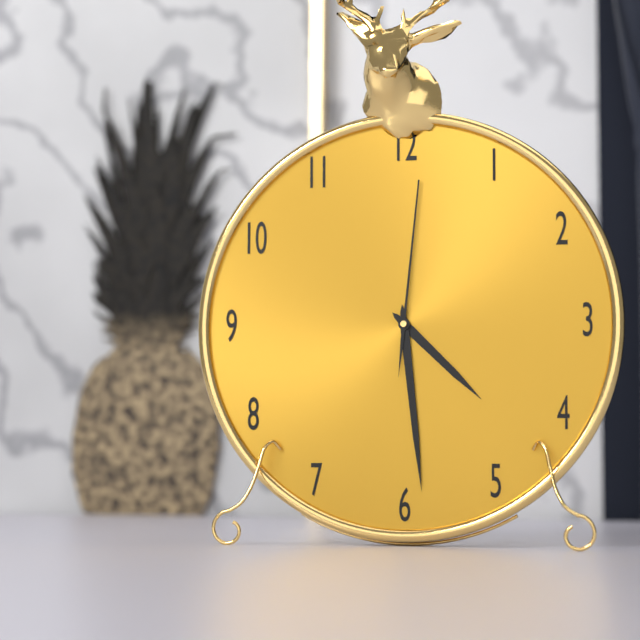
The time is {"hour": 4, "minute": 29, "second": 1}
